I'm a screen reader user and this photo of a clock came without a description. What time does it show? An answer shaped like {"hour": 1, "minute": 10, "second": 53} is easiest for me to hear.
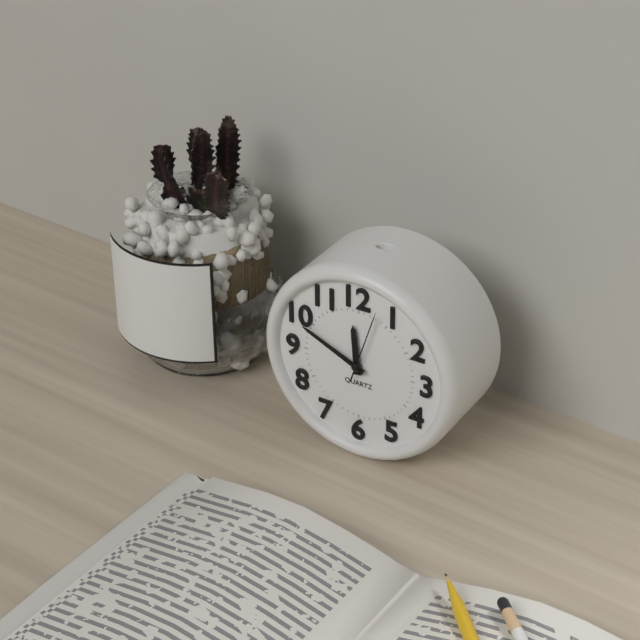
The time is {"hour": 11, "minute": 49, "second": 3}
